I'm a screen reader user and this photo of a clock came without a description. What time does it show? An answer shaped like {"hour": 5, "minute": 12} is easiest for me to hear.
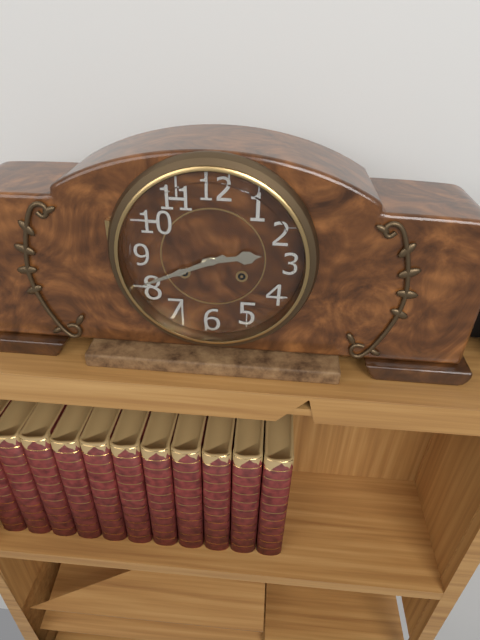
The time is {"hour": 2, "minute": 41}
